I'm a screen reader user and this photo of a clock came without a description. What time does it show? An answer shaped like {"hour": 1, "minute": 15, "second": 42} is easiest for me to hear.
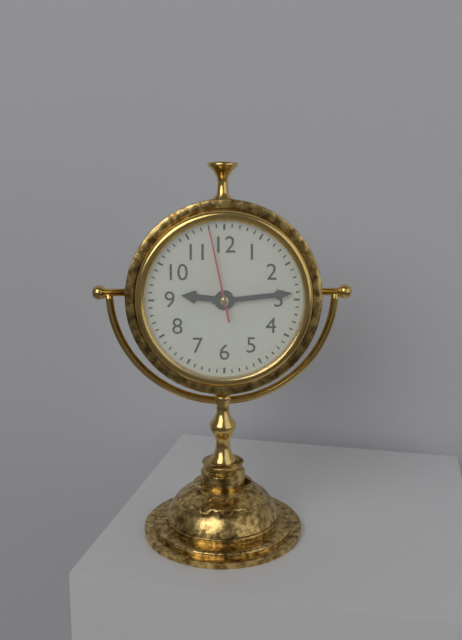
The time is {"hour": 9, "minute": 14, "second": 58}
